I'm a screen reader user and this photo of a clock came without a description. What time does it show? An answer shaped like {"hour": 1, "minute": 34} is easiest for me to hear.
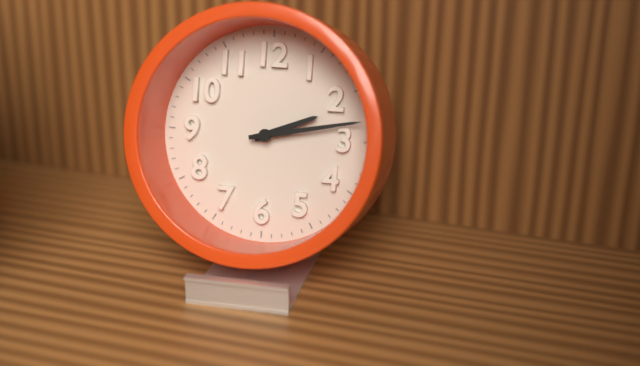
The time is {"hour": 2, "minute": 13}
